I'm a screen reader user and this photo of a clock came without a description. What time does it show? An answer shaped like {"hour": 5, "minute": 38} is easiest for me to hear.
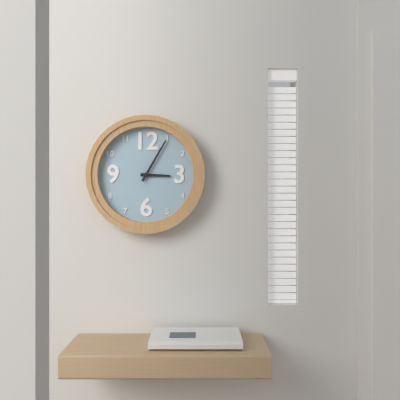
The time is {"hour": 3, "minute": 5}
